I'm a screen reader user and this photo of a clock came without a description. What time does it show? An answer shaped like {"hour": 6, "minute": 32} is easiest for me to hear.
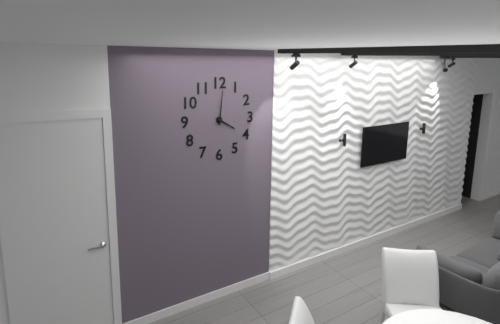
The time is {"hour": 4, "minute": 1}
